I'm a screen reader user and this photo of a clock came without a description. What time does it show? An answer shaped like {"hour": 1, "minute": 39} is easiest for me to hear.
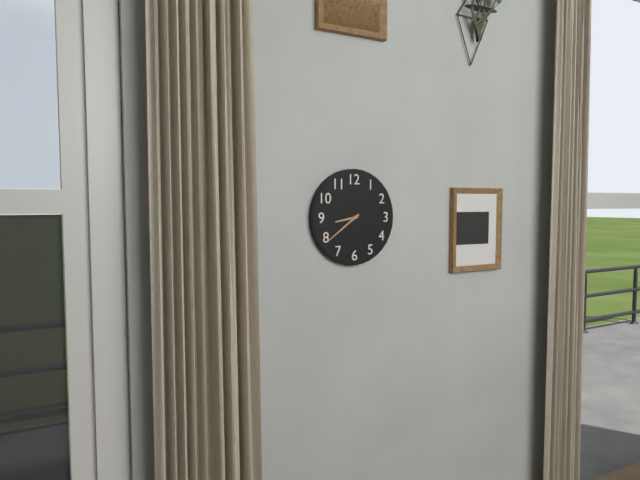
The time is {"hour": 8, "minute": 39}
